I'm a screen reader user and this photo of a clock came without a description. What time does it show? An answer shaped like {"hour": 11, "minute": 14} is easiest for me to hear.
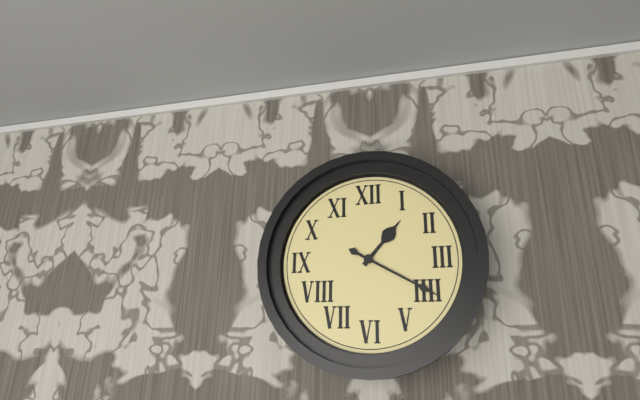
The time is {"hour": 1, "minute": 20}
